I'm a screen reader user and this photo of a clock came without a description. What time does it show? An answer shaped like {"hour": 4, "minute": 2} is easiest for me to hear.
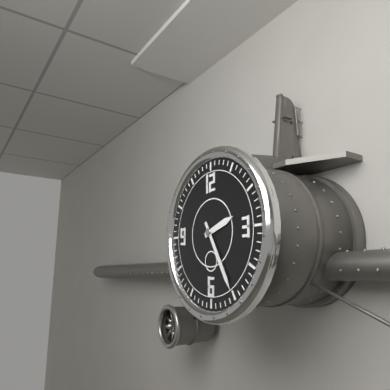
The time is {"hour": 2, "minute": 25}
